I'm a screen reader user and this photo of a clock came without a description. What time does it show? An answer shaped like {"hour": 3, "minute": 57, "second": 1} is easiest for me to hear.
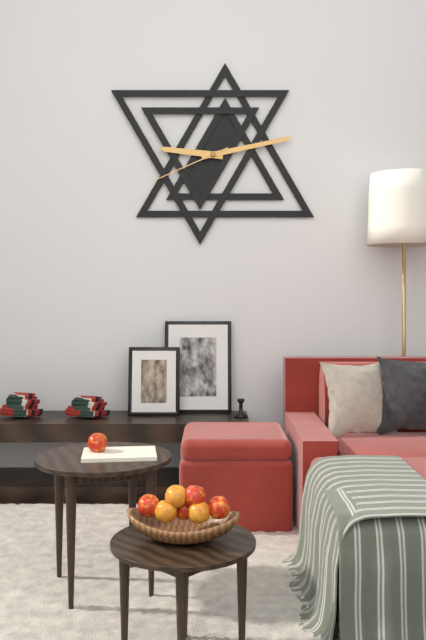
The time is {"hour": 9, "minute": 13, "second": 41}
